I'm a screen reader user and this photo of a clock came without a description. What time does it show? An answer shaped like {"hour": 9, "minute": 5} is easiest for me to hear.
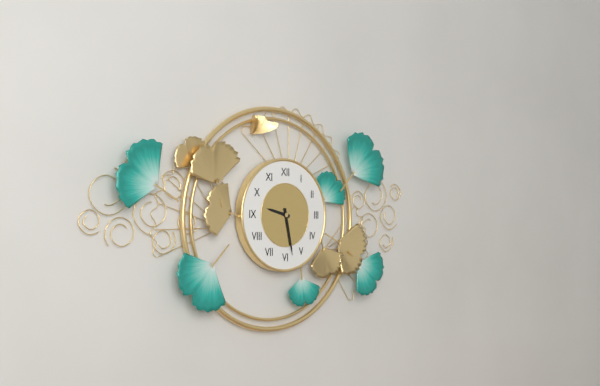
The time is {"hour": 9, "minute": 28}
